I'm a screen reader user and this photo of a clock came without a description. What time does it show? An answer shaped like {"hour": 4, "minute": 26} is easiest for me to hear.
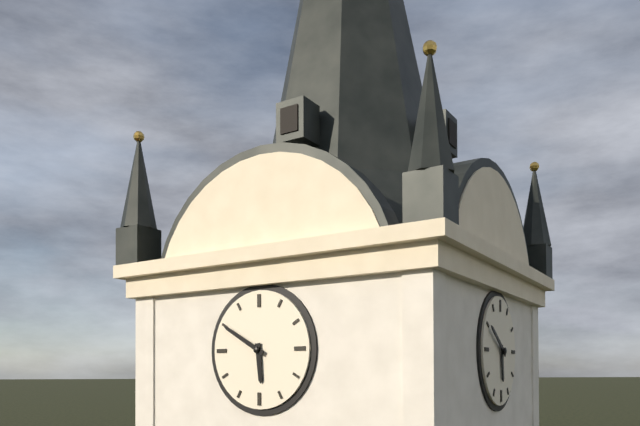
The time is {"hour": 5, "minute": 50}
